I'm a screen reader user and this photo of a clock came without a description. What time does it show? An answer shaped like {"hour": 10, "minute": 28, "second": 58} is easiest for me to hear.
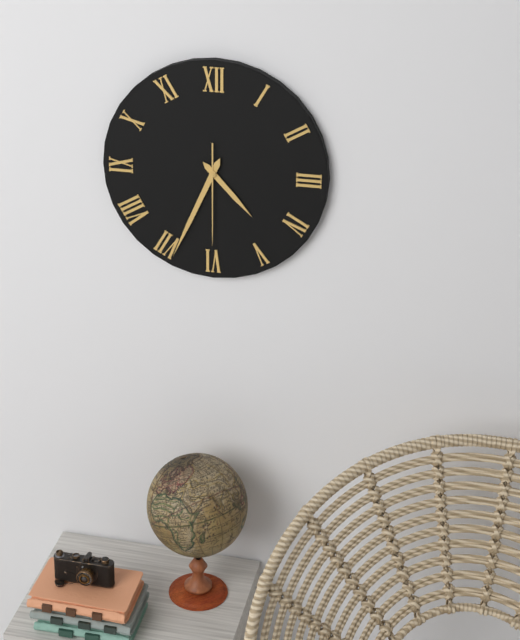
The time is {"hour": 4, "minute": 34, "second": 30}
